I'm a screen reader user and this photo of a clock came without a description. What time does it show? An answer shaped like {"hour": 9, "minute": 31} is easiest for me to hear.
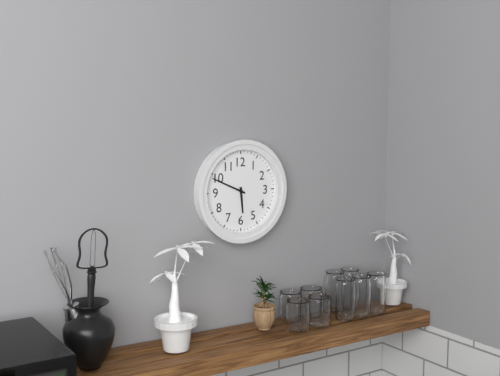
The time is {"hour": 5, "minute": 49}
